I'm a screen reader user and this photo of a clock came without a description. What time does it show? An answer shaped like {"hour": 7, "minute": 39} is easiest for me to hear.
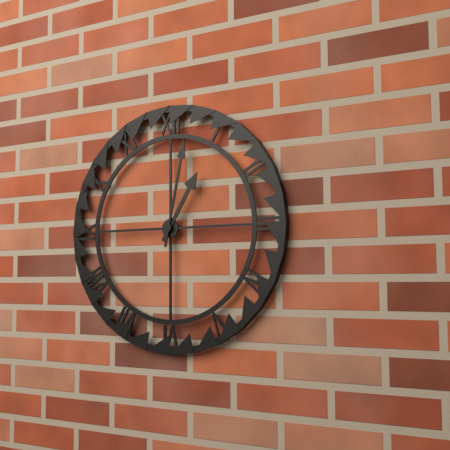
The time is {"hour": 1, "minute": 2}
